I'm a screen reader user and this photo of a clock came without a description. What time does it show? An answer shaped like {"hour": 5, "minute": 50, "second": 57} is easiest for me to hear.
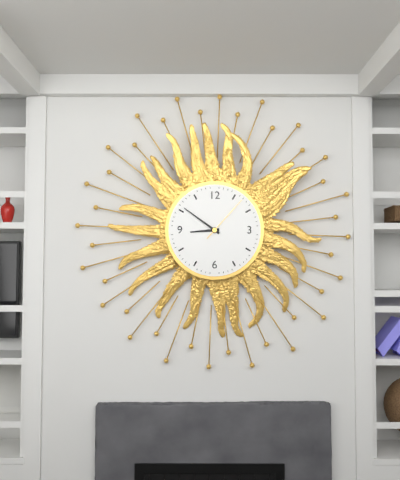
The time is {"hour": 8, "minute": 51, "second": 7}
